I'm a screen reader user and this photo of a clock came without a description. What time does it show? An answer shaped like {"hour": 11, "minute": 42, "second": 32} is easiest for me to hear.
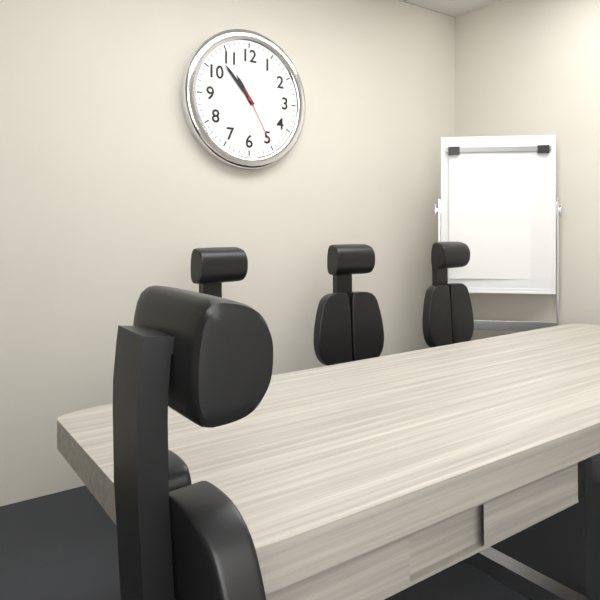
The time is {"hour": 10, "minute": 53, "second": 25}
